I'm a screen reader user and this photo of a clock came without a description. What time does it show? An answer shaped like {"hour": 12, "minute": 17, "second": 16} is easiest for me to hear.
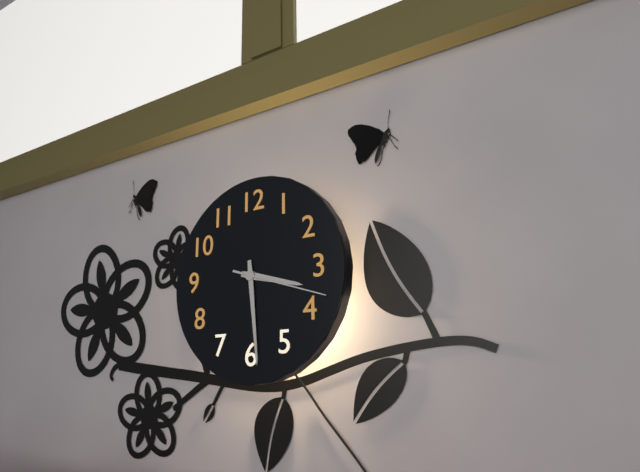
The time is {"hour": 3, "minute": 29, "second": 18}
